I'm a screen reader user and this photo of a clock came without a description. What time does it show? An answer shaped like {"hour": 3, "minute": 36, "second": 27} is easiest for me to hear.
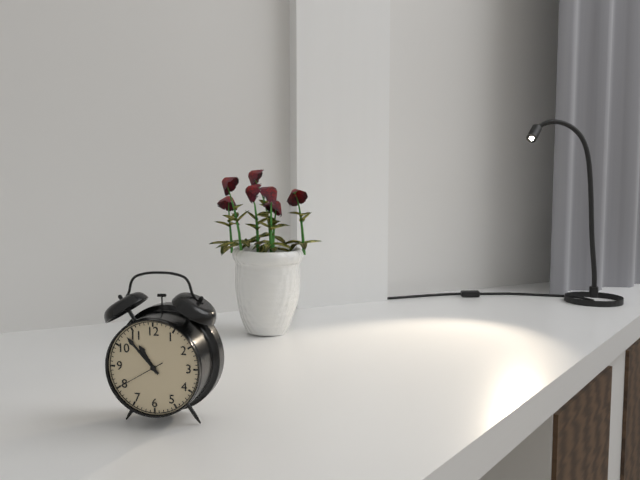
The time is {"hour": 10, "minute": 53, "second": 40}
